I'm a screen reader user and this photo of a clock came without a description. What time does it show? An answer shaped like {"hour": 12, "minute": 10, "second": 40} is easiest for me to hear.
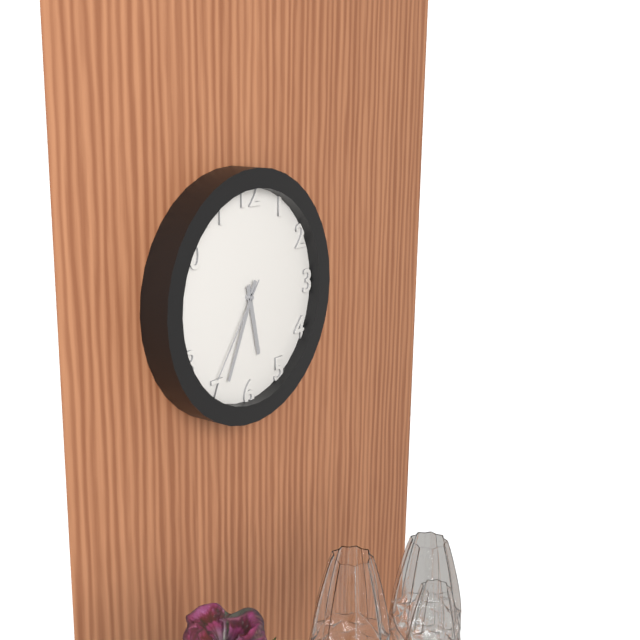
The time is {"hour": 5, "minute": 34, "second": 36}
